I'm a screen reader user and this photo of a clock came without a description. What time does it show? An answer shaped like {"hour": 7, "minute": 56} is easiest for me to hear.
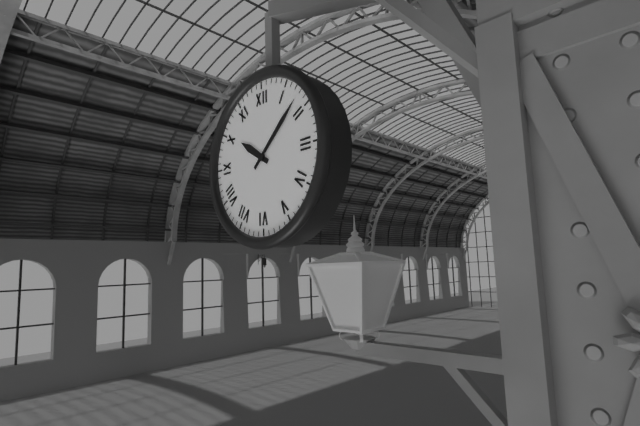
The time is {"hour": 10, "minute": 8}
